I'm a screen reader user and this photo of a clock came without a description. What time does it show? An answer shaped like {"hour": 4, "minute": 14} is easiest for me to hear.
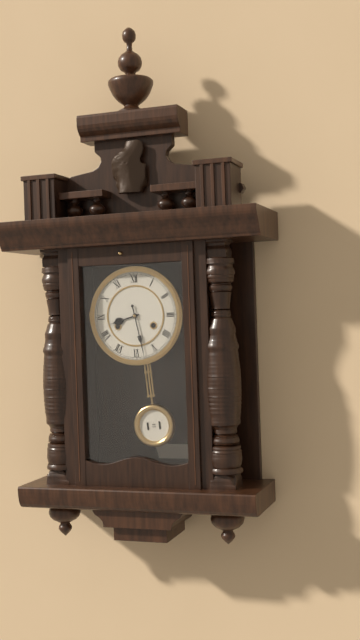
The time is {"hour": 8, "minute": 28}
